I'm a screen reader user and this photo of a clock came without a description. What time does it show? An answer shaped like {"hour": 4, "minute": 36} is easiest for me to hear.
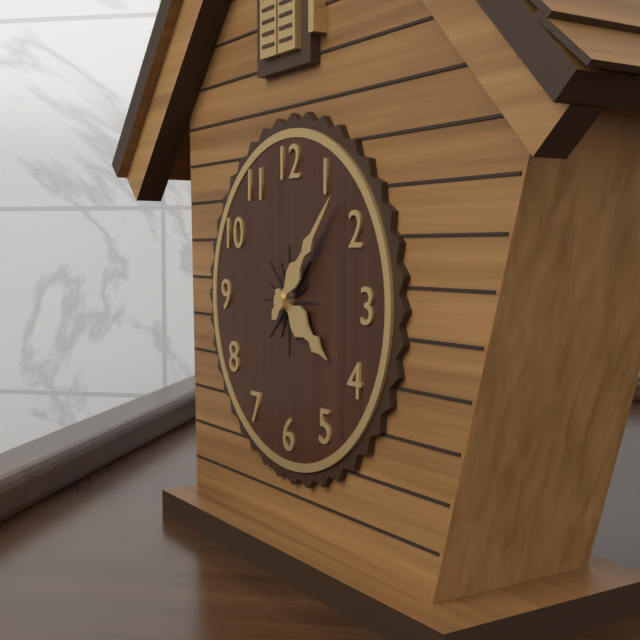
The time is {"hour": 4, "minute": 7}
